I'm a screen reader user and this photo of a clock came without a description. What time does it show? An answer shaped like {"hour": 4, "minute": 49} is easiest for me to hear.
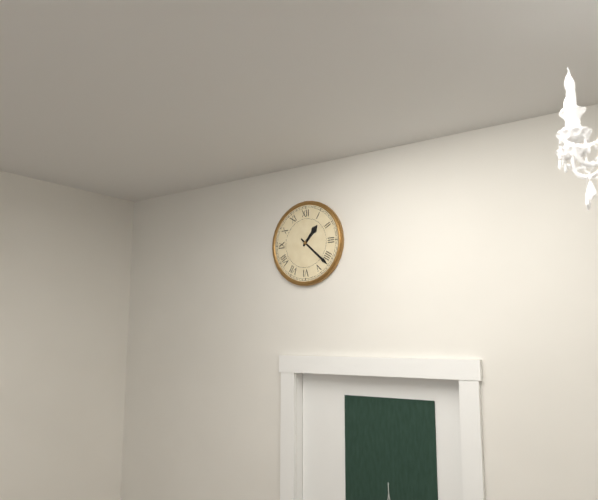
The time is {"hour": 1, "minute": 22}
